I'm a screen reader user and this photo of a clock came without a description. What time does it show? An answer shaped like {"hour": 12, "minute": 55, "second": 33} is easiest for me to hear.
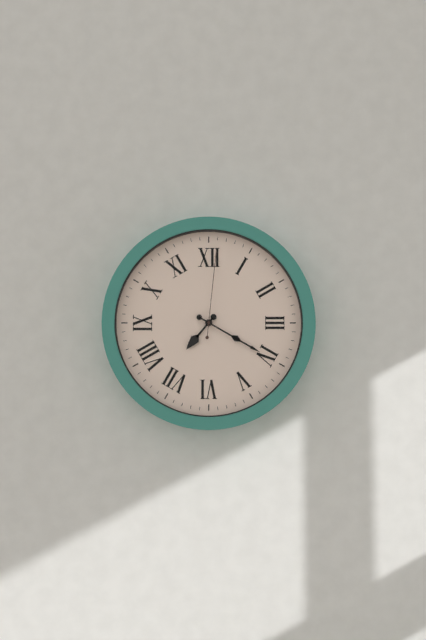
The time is {"hour": 7, "minute": 20, "second": 1}
